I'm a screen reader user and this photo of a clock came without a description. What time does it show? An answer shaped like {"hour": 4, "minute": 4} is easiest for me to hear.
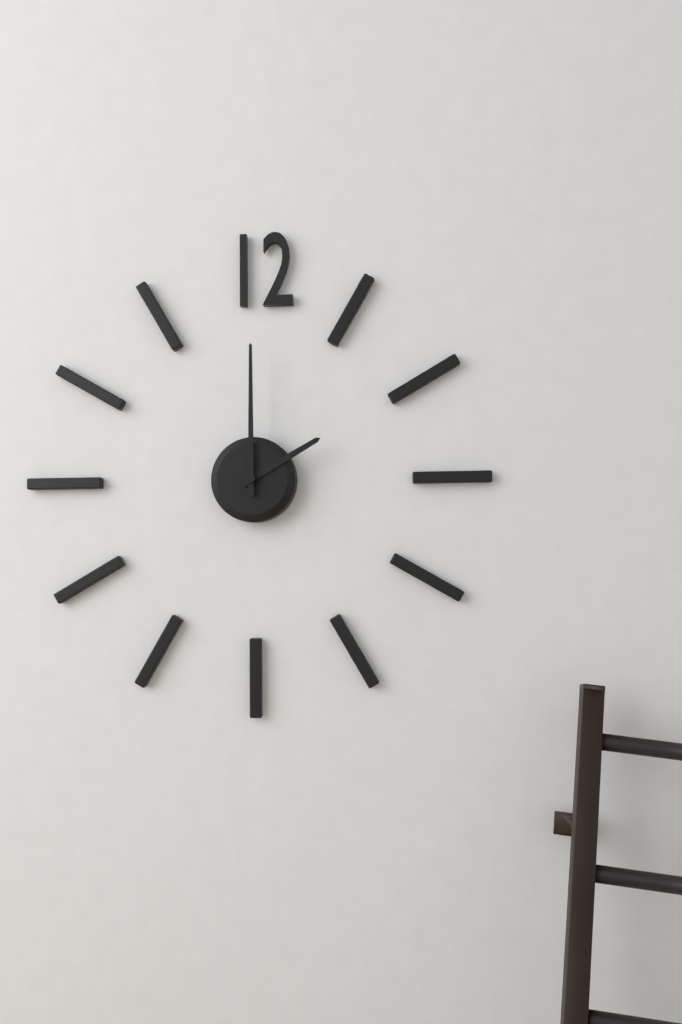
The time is {"hour": 2, "minute": 0}
